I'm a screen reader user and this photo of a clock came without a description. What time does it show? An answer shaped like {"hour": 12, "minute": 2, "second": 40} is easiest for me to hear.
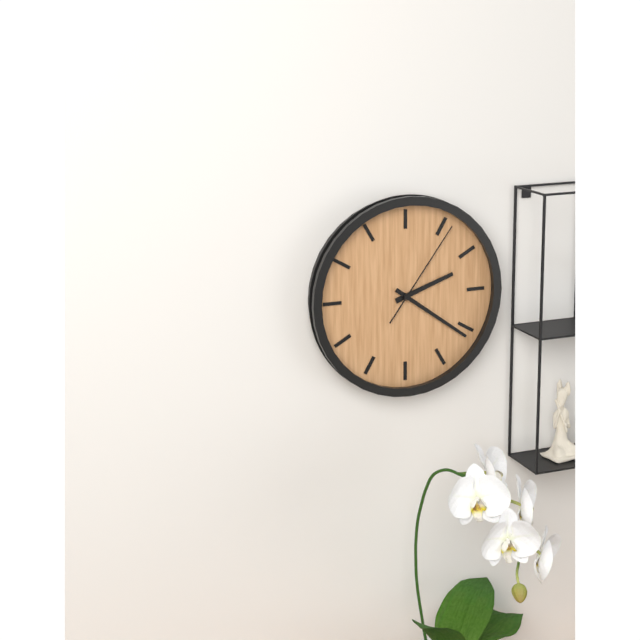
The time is {"hour": 2, "minute": 21, "second": 6}
